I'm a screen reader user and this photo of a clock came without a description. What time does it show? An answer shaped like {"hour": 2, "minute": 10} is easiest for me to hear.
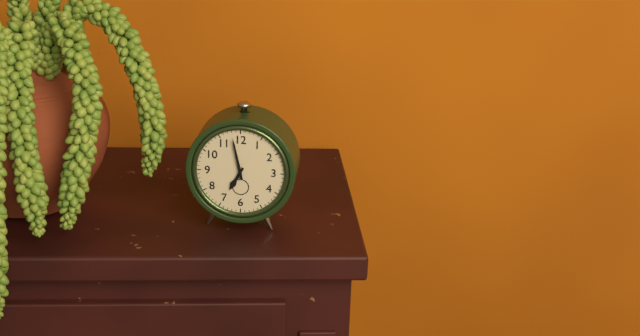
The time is {"hour": 6, "minute": 58}
